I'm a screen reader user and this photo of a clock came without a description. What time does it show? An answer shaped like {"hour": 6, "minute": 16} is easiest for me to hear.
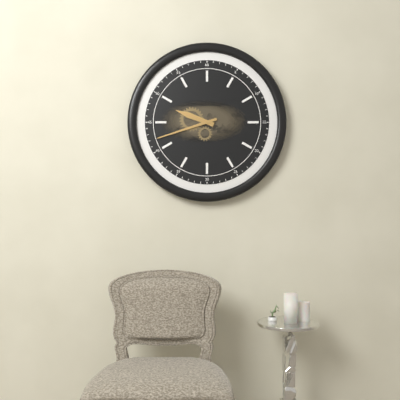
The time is {"hour": 9, "minute": 42}
